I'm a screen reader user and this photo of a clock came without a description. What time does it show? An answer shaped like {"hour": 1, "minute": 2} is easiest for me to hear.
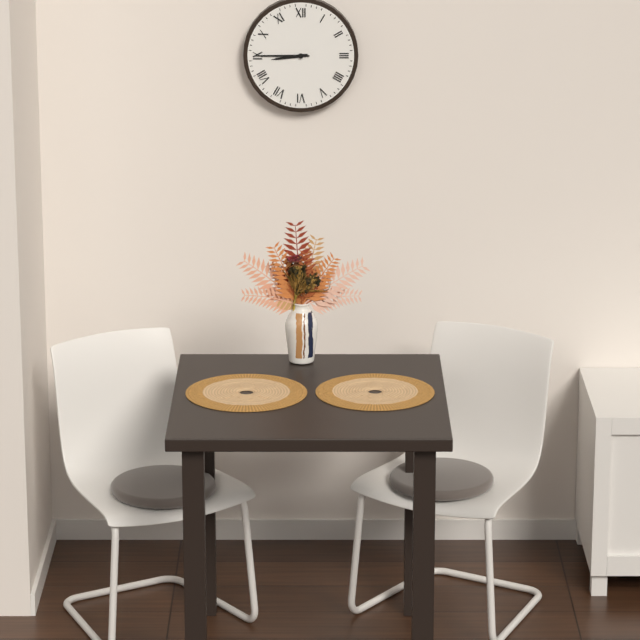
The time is {"hour": 8, "minute": 45}
